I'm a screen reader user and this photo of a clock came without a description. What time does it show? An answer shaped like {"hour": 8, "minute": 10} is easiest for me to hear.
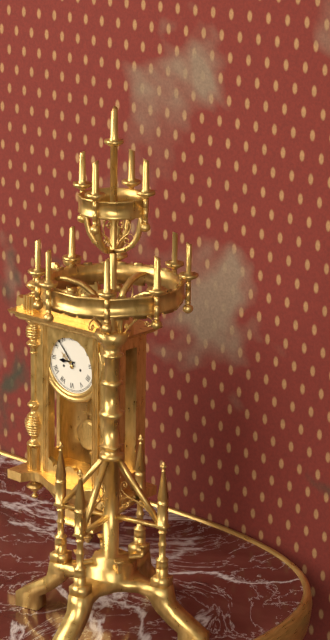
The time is {"hour": 8, "minute": 53}
